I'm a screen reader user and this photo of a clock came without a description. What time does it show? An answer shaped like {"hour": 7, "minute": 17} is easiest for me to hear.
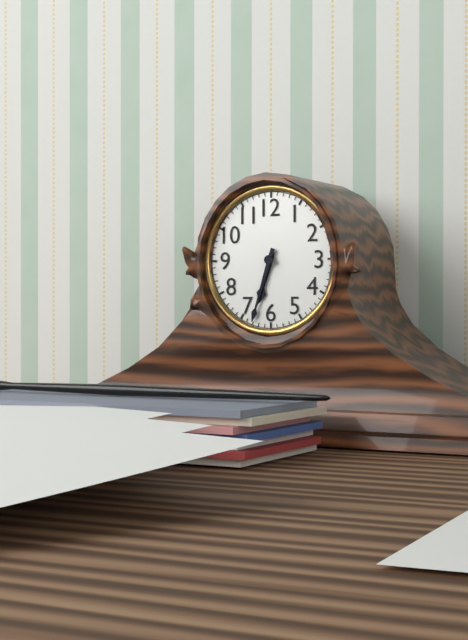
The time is {"hour": 6, "minute": 33}
